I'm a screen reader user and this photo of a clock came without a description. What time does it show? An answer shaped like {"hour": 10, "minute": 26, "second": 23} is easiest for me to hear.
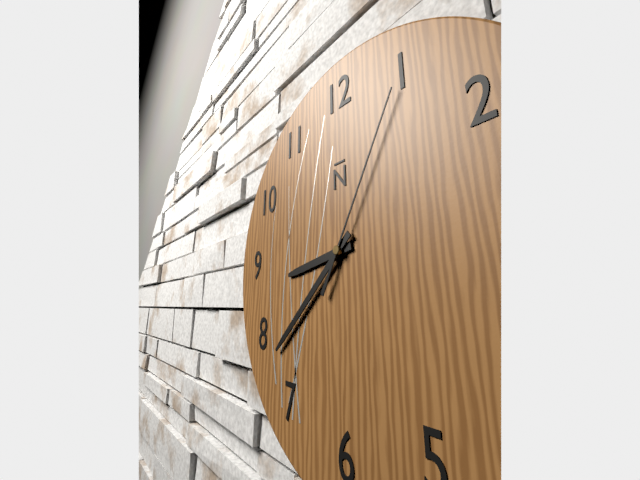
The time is {"hour": 8, "minute": 38, "second": 5}
